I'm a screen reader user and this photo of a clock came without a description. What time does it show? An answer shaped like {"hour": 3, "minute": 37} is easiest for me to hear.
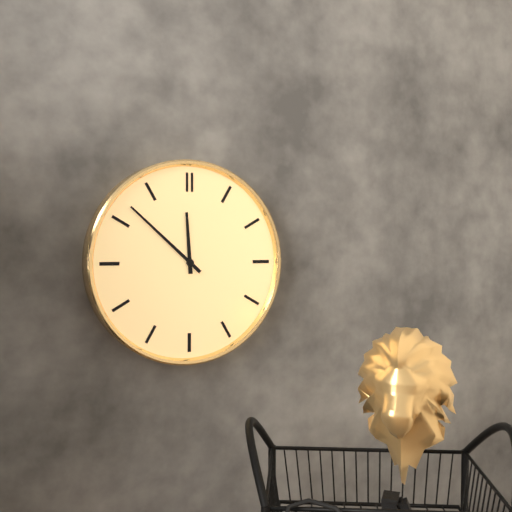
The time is {"hour": 11, "minute": 52}
